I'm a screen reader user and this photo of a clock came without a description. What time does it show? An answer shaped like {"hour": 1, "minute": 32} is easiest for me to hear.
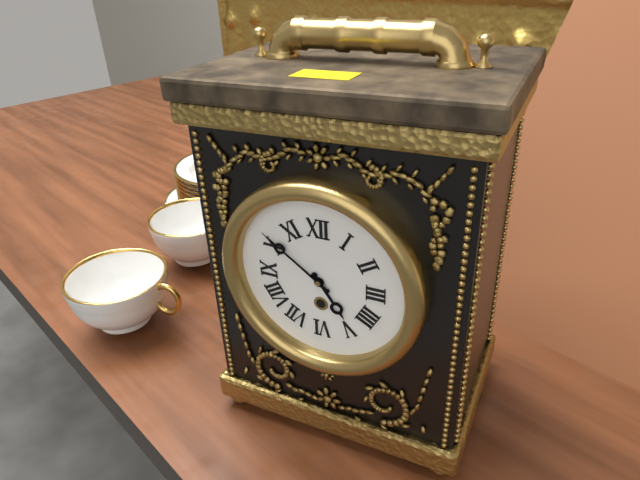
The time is {"hour": 4, "minute": 51}
